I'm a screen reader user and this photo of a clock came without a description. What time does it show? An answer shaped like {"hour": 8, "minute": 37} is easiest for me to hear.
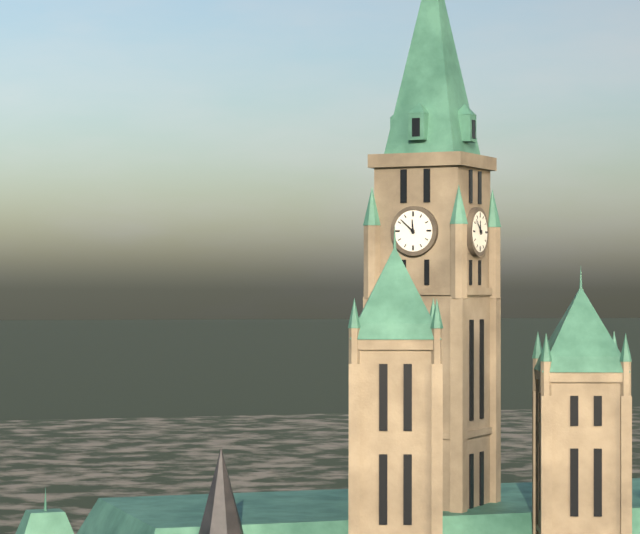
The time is {"hour": 11, "minute": 52}
